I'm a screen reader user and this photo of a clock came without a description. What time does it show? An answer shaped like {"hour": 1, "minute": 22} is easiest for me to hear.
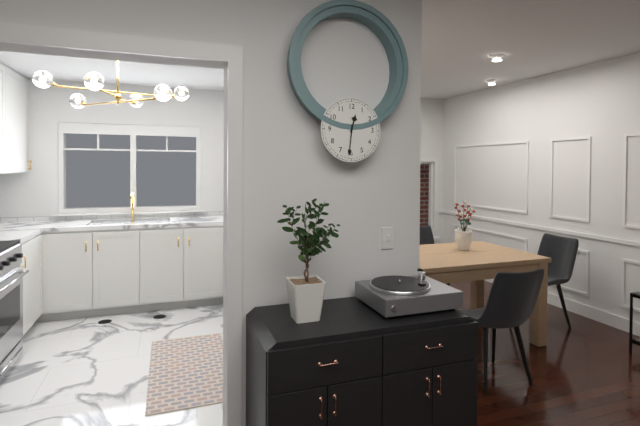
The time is {"hour": 12, "minute": 31}
